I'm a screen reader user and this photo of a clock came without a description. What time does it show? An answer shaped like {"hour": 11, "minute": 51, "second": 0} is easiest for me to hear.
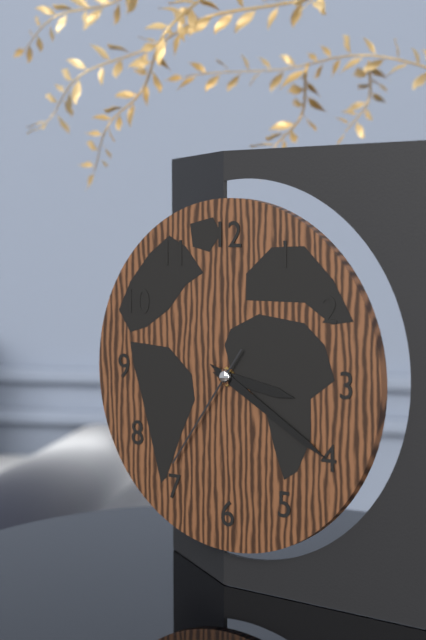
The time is {"hour": 3, "minute": 20, "second": 36}
